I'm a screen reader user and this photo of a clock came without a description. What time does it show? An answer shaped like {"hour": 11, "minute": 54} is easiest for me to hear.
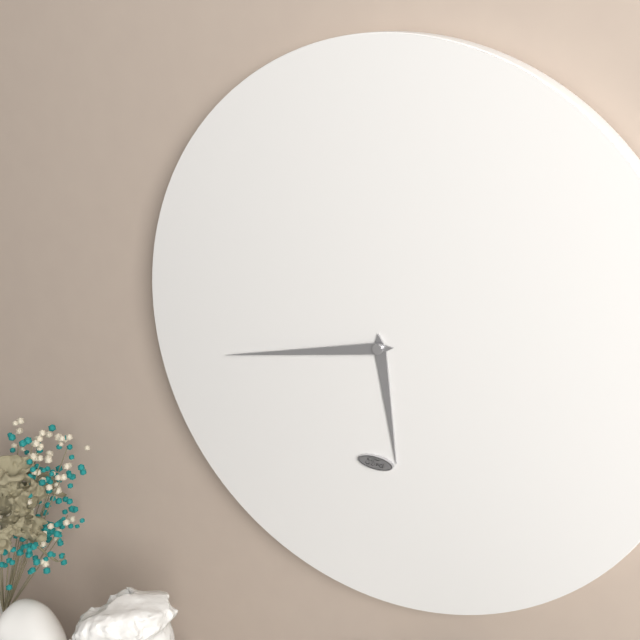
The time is {"hour": 5, "minute": 43}
